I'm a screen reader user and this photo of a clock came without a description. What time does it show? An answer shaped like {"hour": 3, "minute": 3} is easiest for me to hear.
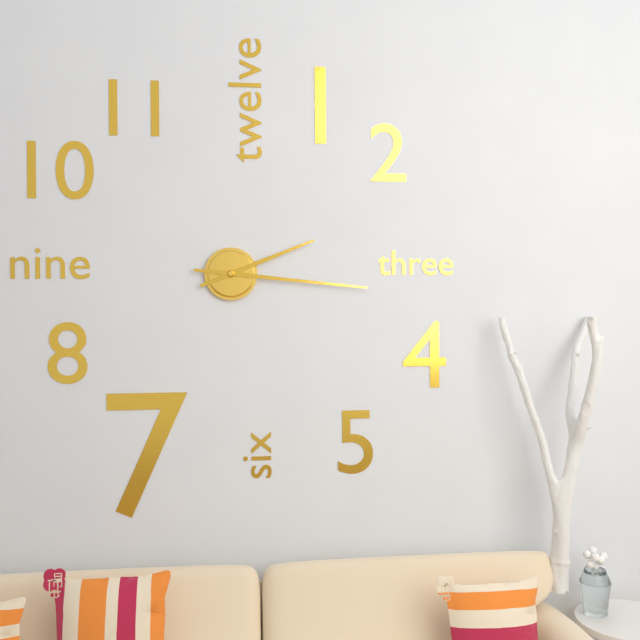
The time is {"hour": 2, "minute": 16}
